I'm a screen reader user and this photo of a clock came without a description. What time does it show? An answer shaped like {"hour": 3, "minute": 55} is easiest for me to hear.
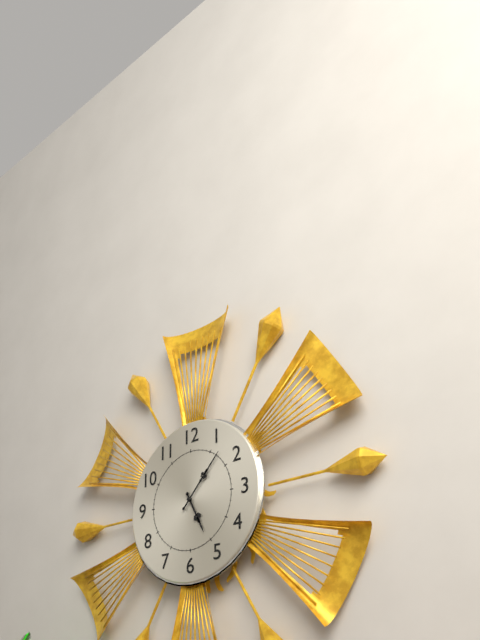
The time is {"hour": 5, "minute": 7}
